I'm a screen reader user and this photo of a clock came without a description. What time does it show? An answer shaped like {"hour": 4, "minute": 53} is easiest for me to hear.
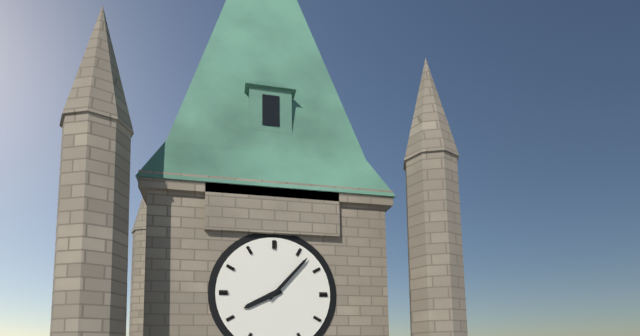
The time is {"hour": 8, "minute": 7}
